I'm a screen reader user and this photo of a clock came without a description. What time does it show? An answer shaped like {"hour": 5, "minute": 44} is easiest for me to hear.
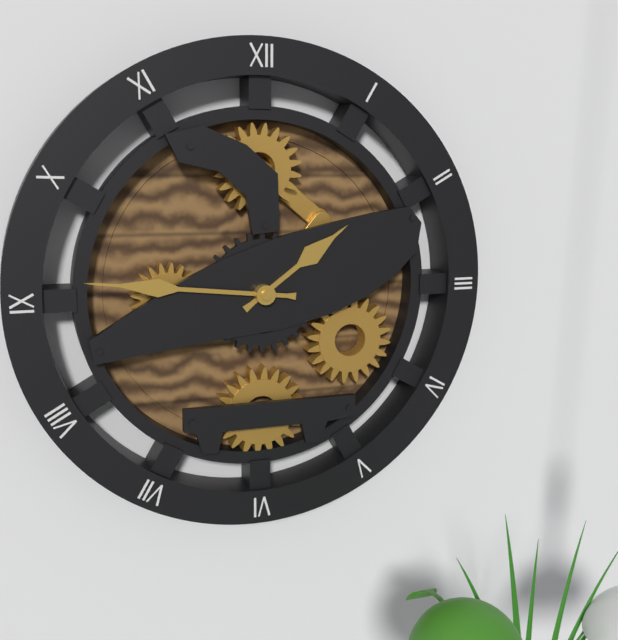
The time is {"hour": 1, "minute": 46}
